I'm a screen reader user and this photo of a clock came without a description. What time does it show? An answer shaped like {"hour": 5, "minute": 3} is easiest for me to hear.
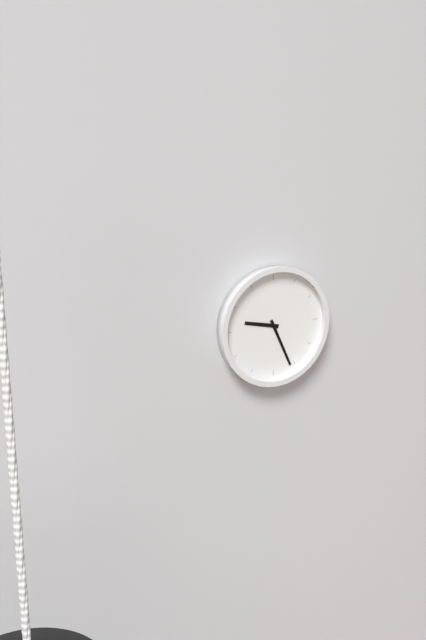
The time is {"hour": 9, "minute": 26}
